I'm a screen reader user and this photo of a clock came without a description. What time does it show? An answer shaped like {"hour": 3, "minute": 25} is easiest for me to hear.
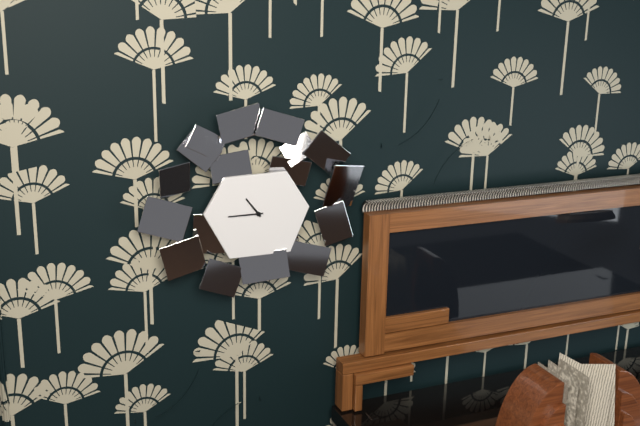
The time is {"hour": 10, "minute": 45}
